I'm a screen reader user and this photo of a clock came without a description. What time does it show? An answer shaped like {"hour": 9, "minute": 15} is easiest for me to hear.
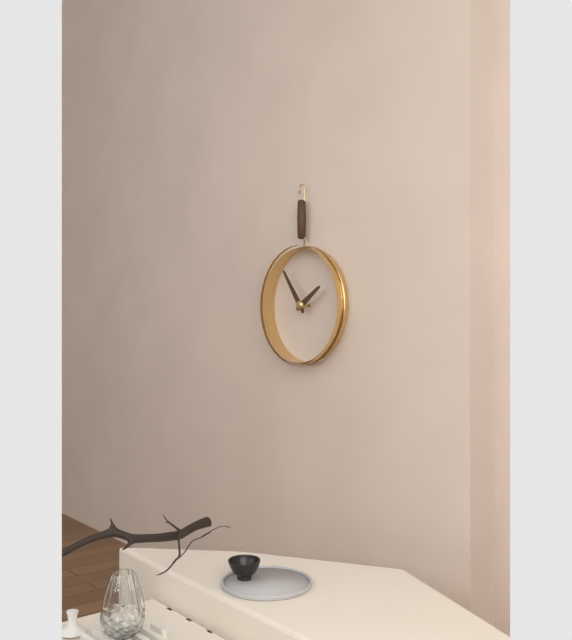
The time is {"hour": 1, "minute": 54}
